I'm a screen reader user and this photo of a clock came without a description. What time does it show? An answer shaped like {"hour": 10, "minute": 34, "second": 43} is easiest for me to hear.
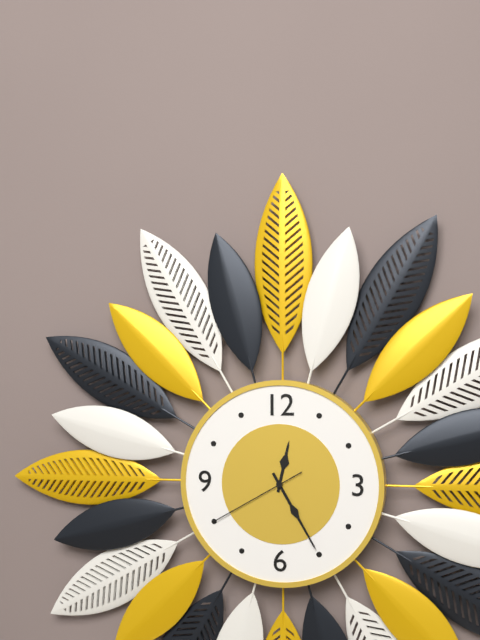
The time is {"hour": 12, "minute": 25, "second": 40}
